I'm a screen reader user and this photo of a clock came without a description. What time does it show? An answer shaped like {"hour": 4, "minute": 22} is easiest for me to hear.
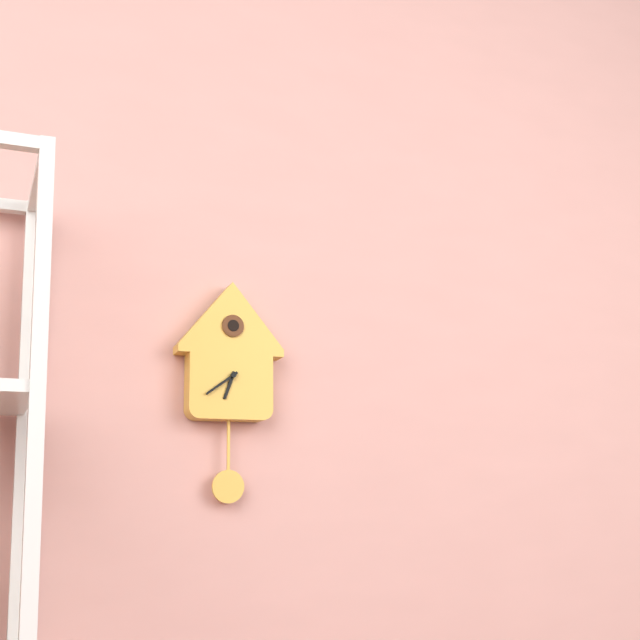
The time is {"hour": 6, "minute": 39}
